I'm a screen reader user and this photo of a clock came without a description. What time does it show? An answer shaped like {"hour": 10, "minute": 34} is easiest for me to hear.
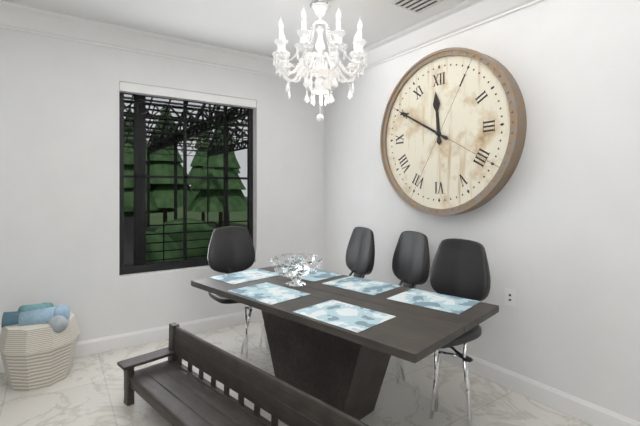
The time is {"hour": 11, "minute": 50}
